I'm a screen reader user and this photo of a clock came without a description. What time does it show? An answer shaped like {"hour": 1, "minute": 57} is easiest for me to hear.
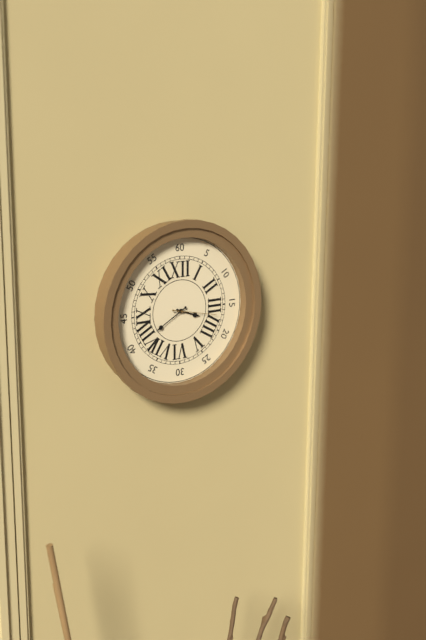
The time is {"hour": 3, "minute": 40}
